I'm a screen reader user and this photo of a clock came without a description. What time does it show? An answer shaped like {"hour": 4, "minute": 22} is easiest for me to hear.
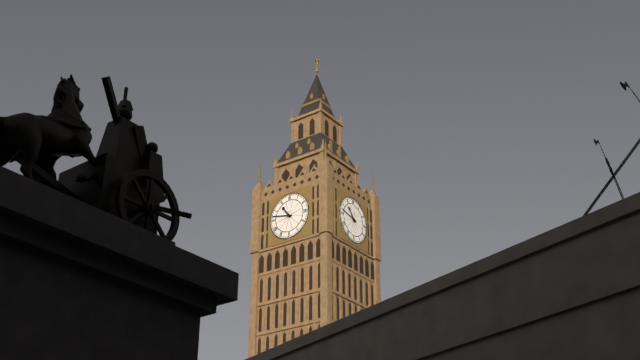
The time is {"hour": 10, "minute": 47}
